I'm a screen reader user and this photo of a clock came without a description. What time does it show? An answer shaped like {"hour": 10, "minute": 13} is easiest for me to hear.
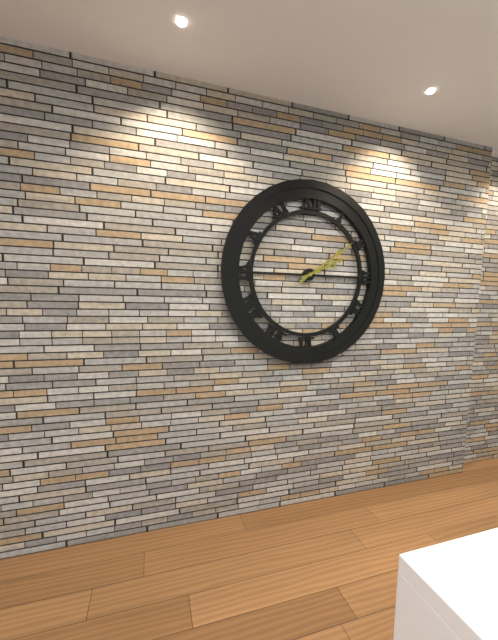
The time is {"hour": 2, "minute": 9}
